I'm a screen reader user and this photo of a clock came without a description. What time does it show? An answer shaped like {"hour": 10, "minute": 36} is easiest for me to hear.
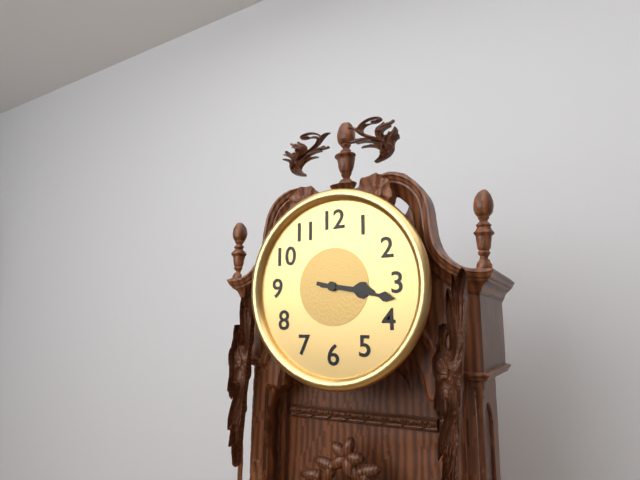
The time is {"hour": 3, "minute": 17}
